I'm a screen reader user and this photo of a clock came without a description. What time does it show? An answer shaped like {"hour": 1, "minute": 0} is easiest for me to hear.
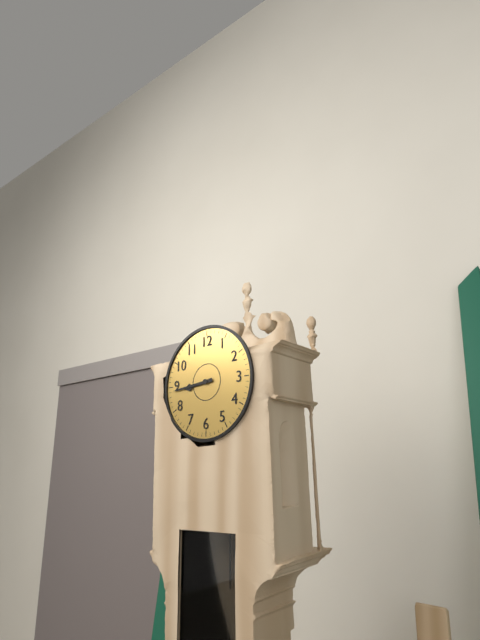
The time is {"hour": 8, "minute": 44}
